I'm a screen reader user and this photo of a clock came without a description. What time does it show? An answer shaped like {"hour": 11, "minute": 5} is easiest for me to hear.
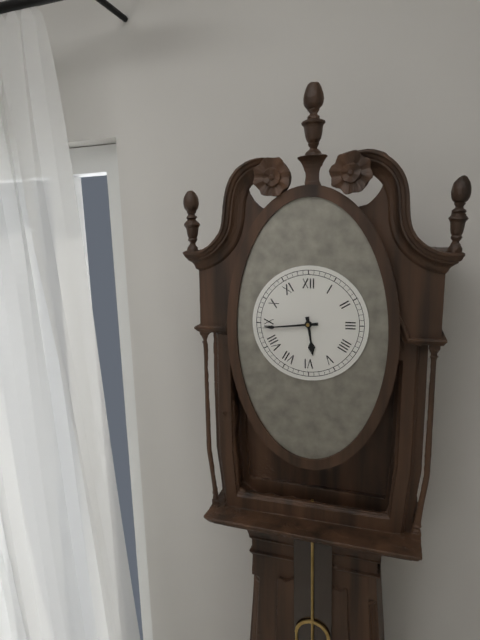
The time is {"hour": 5, "minute": 44}
